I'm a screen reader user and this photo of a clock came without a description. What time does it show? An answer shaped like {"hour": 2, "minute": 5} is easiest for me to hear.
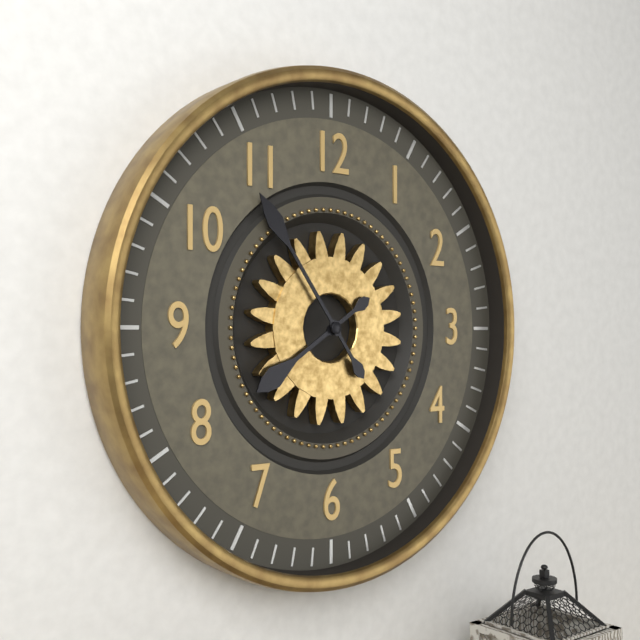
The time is {"hour": 7, "minute": 54}
